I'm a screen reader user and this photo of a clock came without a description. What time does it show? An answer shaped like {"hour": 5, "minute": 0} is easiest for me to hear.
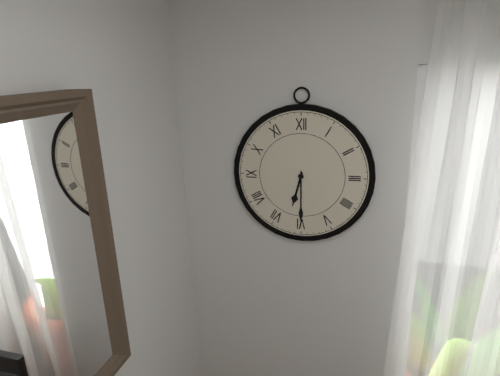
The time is {"hour": 6, "minute": 30}
